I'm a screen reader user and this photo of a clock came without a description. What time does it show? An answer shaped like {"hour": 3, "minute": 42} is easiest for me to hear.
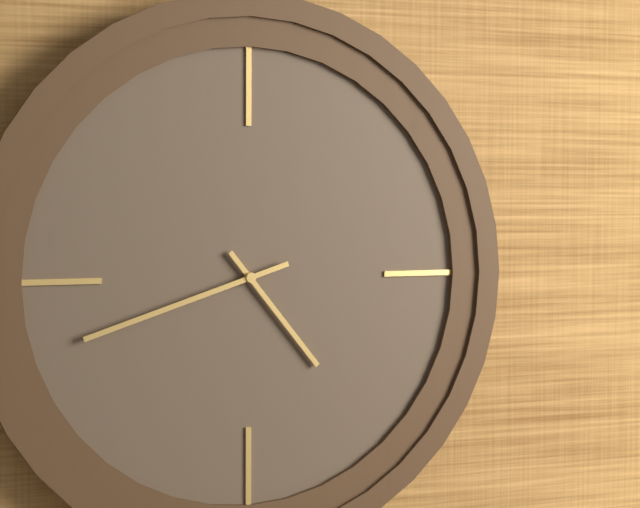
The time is {"hour": 4, "minute": 42}
